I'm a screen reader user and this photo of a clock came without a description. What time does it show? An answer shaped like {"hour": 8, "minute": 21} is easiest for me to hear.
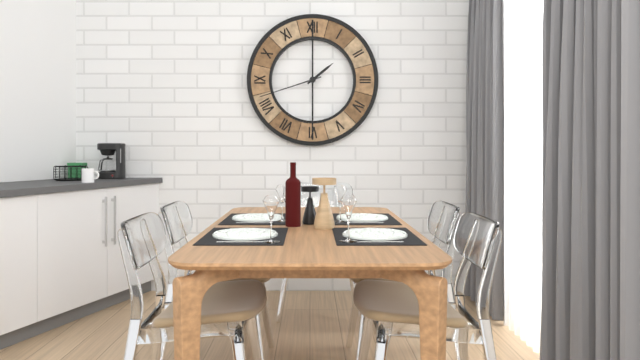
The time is {"hour": 1, "minute": 42}
